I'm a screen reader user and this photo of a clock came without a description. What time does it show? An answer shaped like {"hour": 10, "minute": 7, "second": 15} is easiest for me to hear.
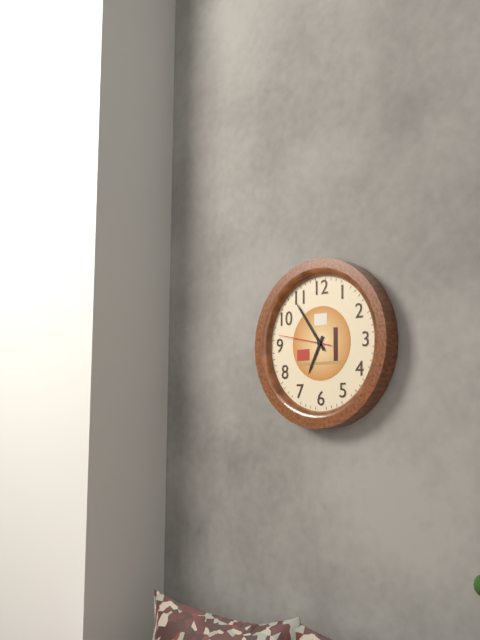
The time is {"hour": 6, "minute": 54, "second": 47}
